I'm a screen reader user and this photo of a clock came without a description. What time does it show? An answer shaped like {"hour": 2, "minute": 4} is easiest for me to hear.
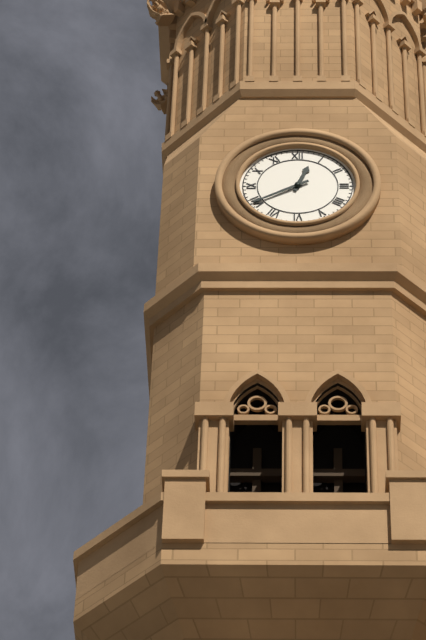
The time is {"hour": 12, "minute": 40}
